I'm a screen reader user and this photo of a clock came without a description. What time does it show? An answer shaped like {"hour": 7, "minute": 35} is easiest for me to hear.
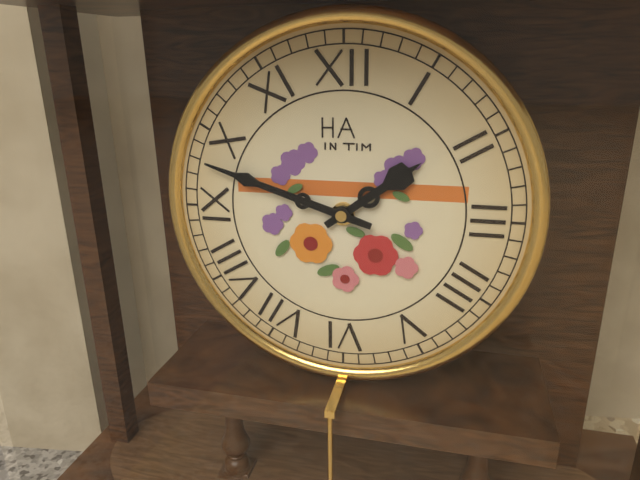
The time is {"hour": 1, "minute": 48}
